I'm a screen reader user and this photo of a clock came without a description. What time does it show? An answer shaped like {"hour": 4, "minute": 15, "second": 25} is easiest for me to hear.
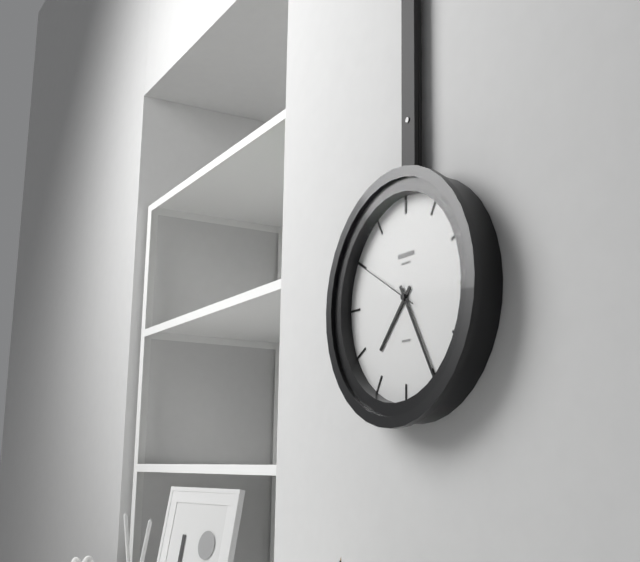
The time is {"hour": 7, "minute": 25, "second": 50}
